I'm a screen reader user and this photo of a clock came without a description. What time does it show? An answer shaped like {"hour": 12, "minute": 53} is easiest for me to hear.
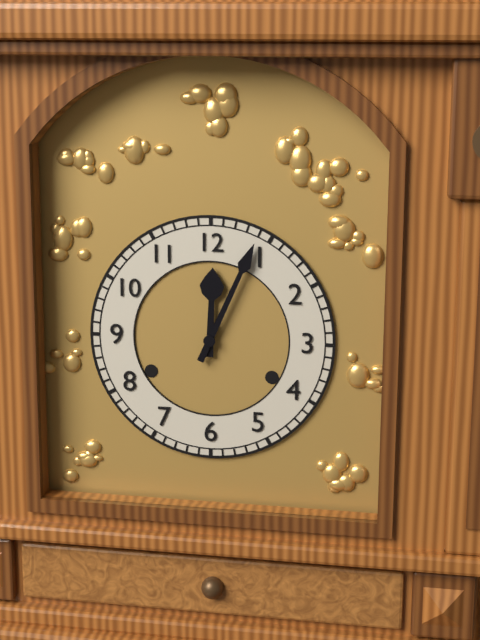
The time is {"hour": 12, "minute": 4}
